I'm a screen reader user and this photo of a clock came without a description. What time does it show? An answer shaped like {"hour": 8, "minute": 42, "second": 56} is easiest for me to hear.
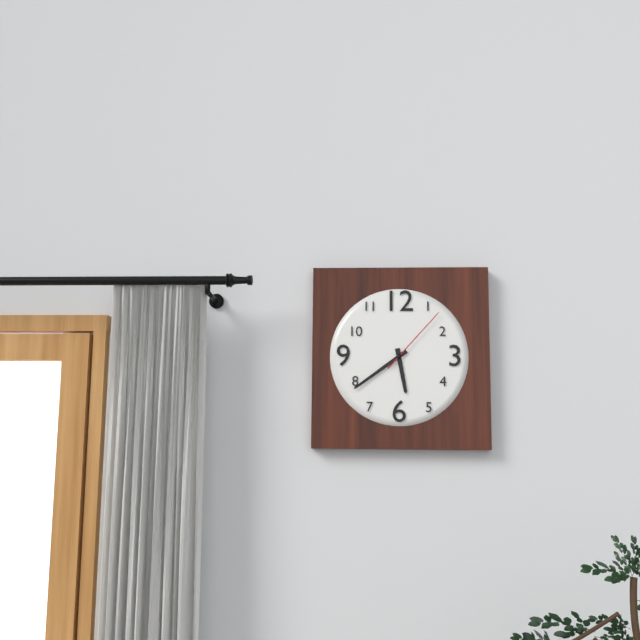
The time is {"hour": 5, "minute": 39, "second": 7}
